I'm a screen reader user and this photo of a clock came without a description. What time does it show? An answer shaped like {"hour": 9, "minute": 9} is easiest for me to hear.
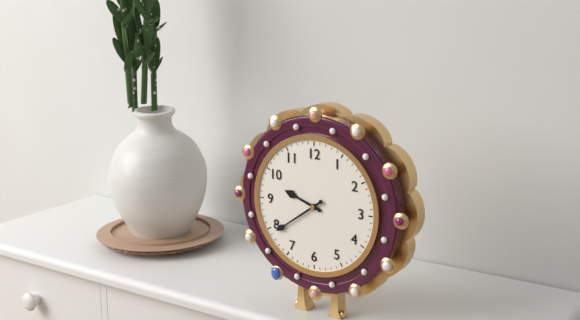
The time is {"hour": 9, "minute": 39}
